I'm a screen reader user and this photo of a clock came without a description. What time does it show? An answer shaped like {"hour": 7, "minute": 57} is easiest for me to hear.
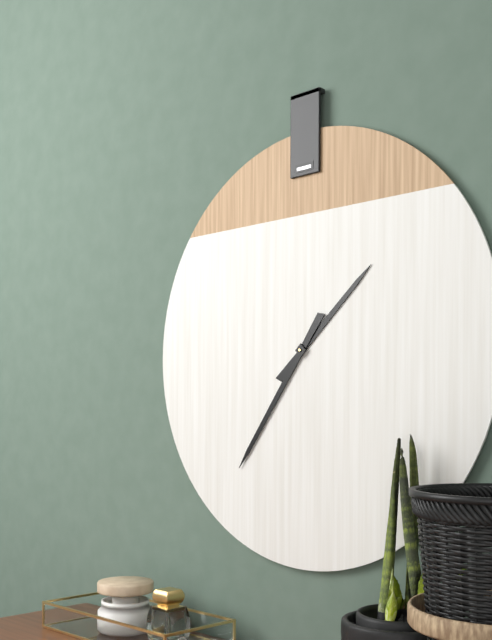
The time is {"hour": 1, "minute": 36}
